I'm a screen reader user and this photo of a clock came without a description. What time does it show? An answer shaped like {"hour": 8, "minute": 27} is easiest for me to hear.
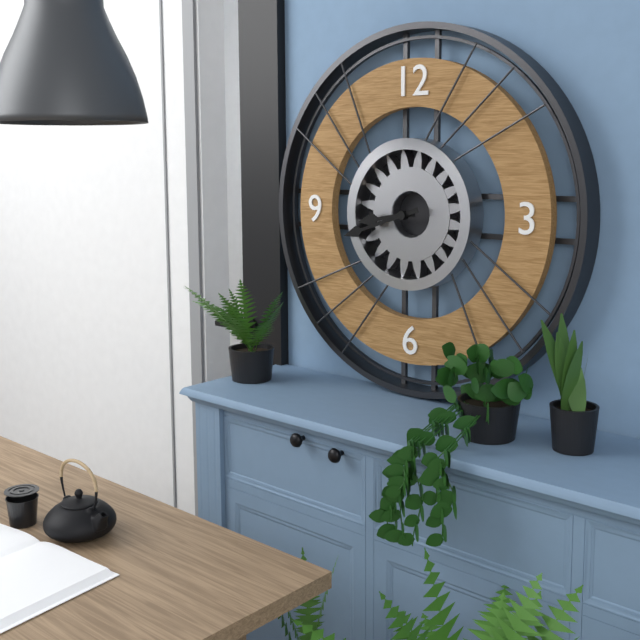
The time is {"hour": 8, "minute": 42}
